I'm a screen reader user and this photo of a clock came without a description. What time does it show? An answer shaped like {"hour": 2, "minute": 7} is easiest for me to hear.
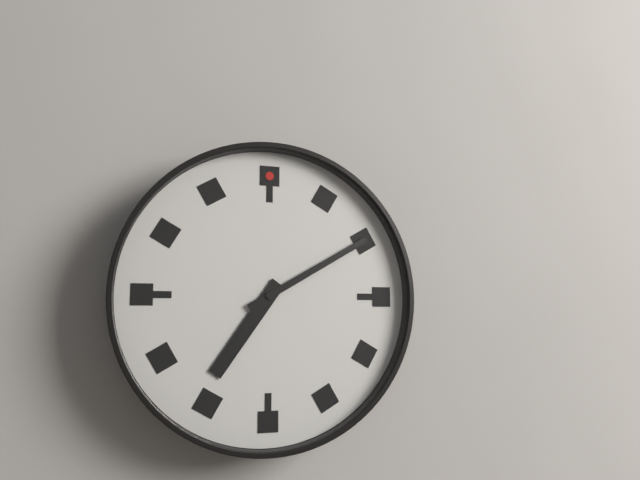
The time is {"hour": 7, "minute": 10}
